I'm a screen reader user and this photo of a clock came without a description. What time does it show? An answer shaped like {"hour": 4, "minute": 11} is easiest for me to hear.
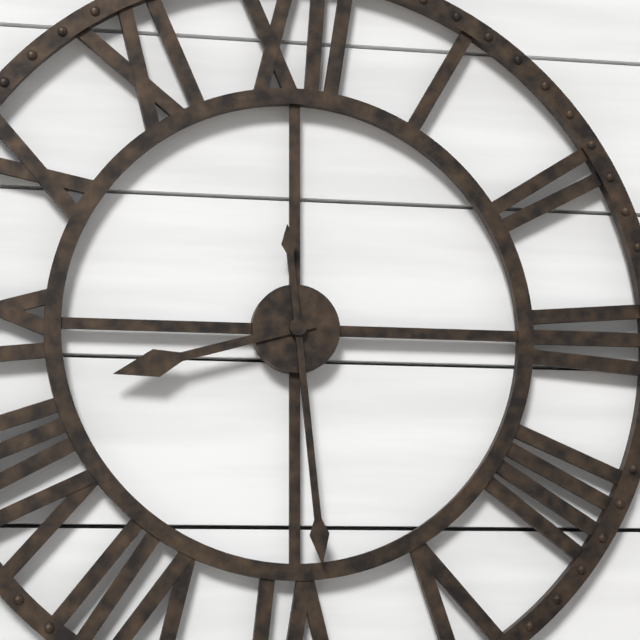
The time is {"hour": 8, "minute": 29}
